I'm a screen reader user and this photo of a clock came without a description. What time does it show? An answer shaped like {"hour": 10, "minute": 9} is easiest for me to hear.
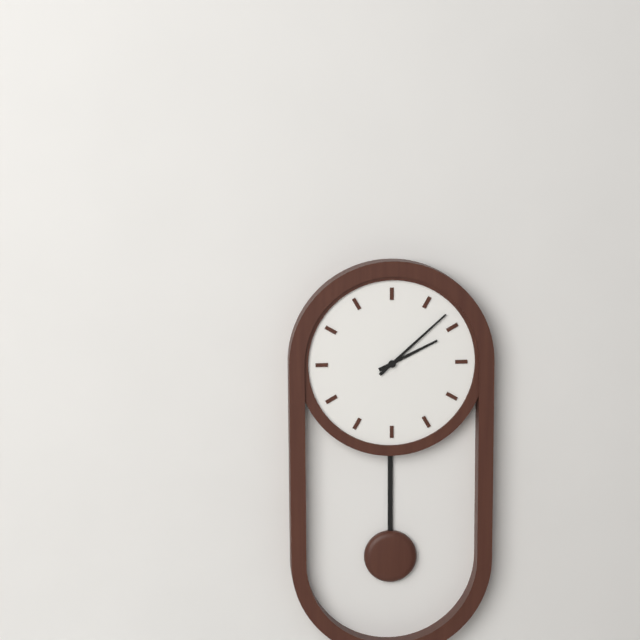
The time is {"hour": 2, "minute": 8}
